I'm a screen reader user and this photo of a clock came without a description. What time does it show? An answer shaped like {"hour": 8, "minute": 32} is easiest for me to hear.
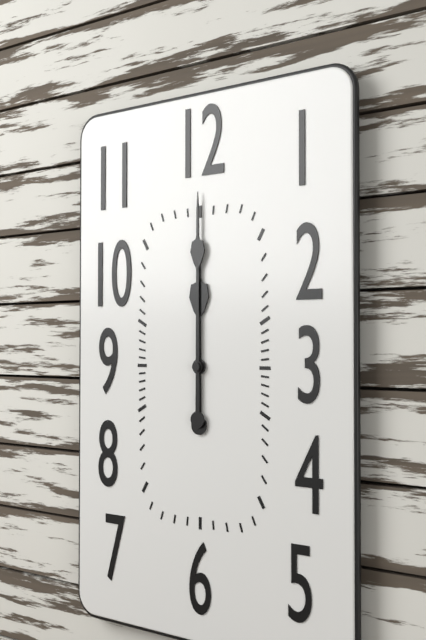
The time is {"hour": 12, "minute": 0}
